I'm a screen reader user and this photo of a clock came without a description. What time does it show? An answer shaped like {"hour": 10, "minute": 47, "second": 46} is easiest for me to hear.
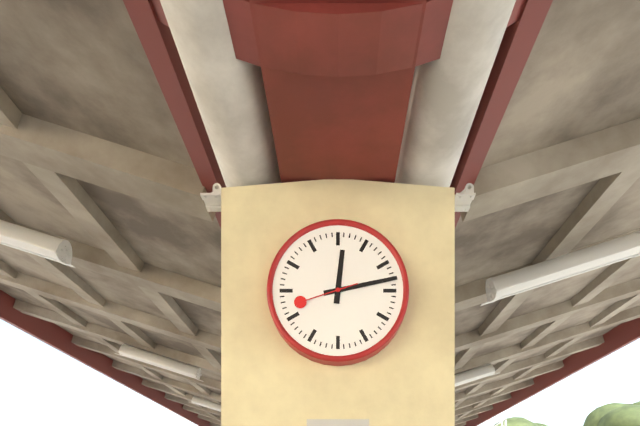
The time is {"hour": 12, "minute": 13, "second": 42}
